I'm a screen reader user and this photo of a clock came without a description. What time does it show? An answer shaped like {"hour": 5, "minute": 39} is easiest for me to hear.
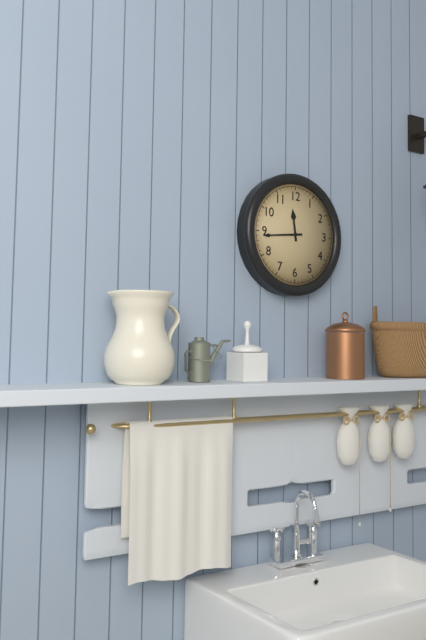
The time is {"hour": 11, "minute": 44}
